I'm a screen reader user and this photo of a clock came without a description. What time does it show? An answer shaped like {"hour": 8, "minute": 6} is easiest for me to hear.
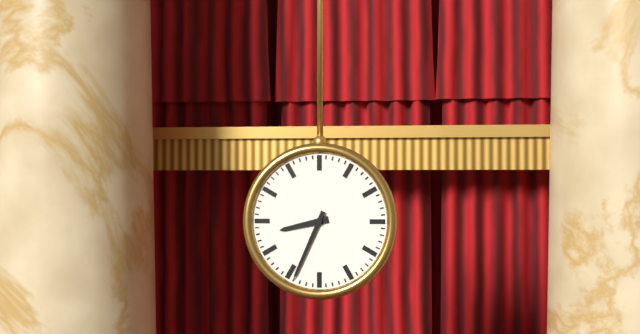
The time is {"hour": 8, "minute": 34}
